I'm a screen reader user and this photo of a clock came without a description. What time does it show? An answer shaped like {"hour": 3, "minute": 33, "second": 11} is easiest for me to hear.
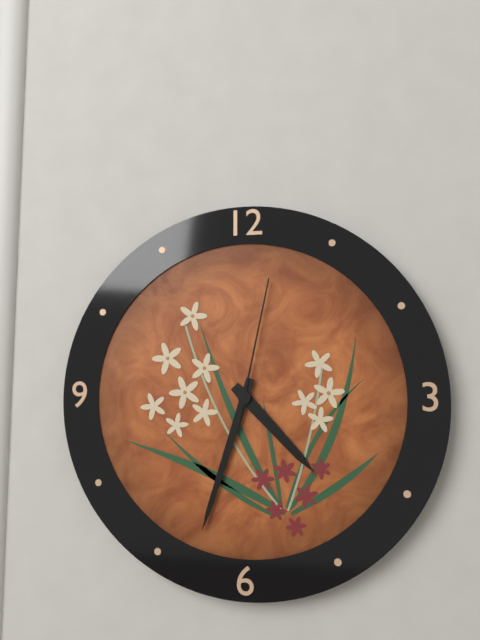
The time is {"hour": 4, "minute": 33, "second": 2}
